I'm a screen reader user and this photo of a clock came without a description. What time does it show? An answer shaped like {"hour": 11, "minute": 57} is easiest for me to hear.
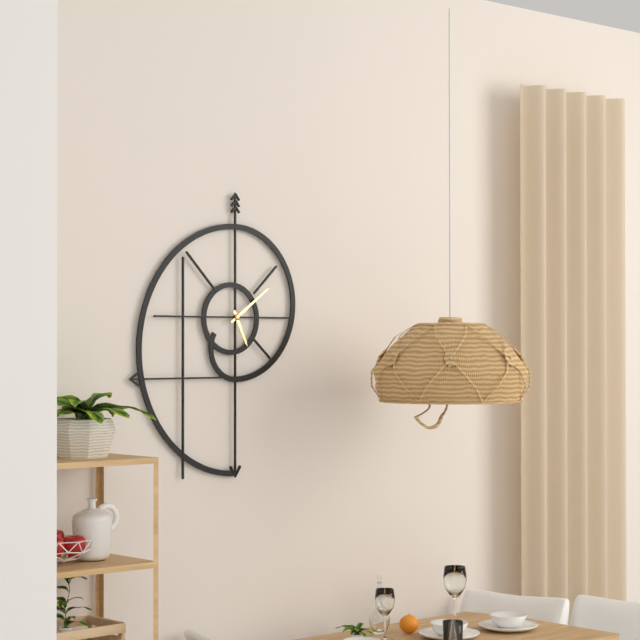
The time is {"hour": 5, "minute": 9}
